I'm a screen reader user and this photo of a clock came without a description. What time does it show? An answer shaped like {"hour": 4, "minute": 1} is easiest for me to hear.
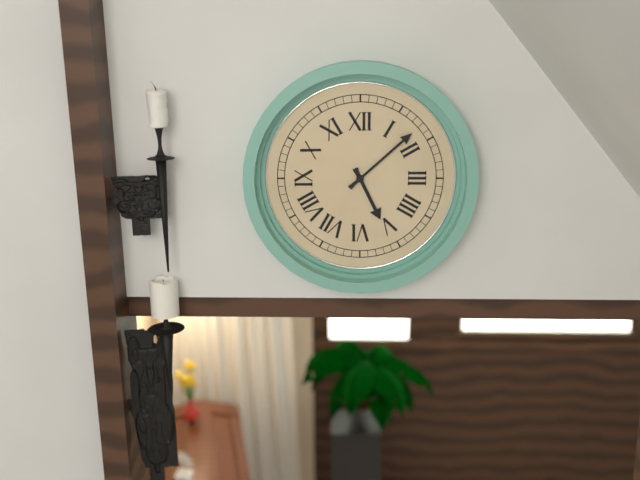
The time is {"hour": 5, "minute": 8}
